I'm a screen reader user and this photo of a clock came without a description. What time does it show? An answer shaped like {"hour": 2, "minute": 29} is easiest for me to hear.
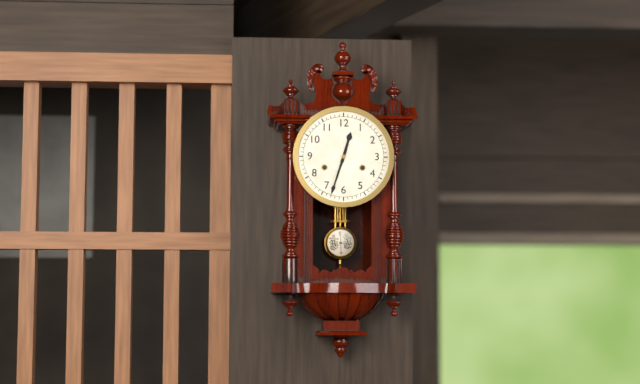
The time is {"hour": 12, "minute": 33}
